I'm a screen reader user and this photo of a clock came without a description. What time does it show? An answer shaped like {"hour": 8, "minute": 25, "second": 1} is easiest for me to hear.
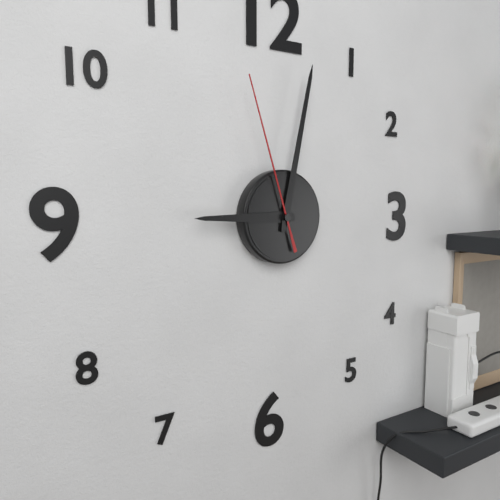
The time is {"hour": 9, "minute": 2, "second": 57}
